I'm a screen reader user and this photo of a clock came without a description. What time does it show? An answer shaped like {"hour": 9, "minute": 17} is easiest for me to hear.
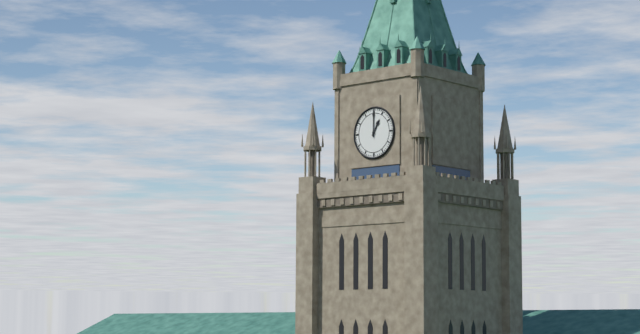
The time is {"hour": 1, "minute": 0}
